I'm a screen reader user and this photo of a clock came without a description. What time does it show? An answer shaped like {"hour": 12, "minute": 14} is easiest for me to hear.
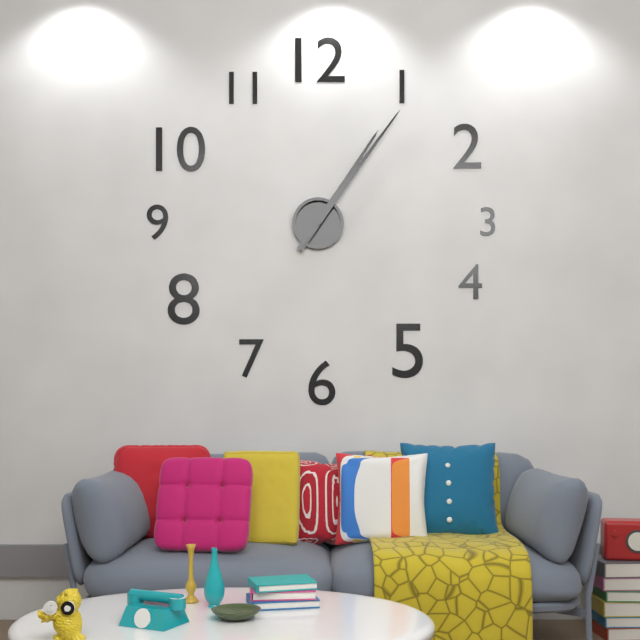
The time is {"hour": 1, "minute": 6}
